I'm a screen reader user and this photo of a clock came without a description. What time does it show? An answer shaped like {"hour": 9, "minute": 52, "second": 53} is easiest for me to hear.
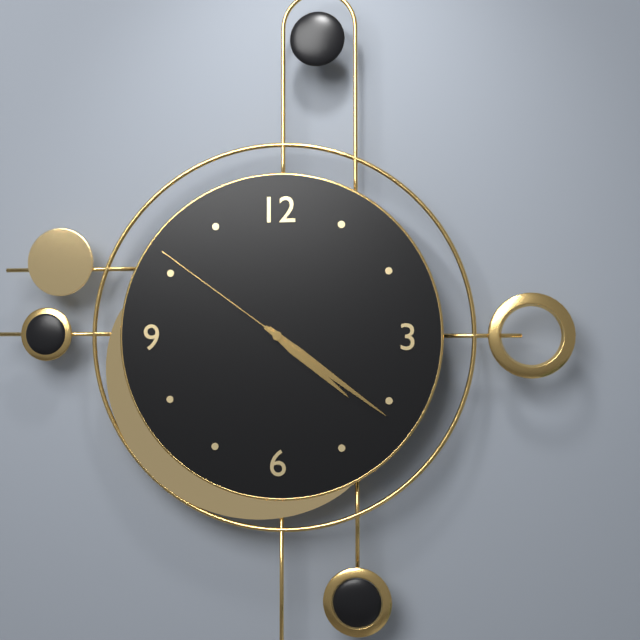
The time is {"hour": 4, "minute": 21, "second": 51}
